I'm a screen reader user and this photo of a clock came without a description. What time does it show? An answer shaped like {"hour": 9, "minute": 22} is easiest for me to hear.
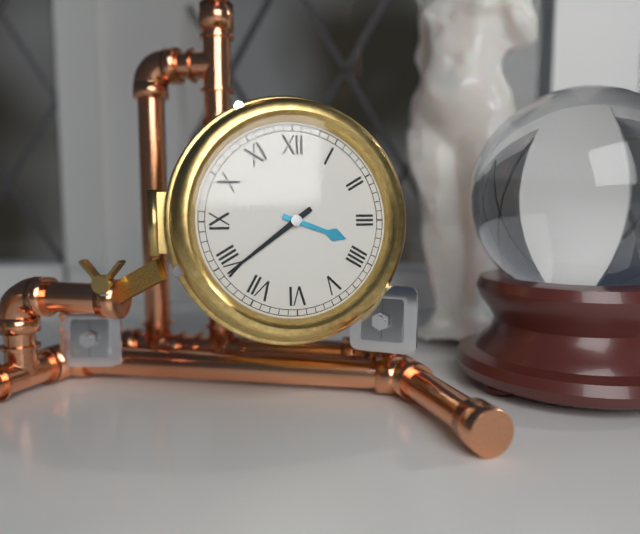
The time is {"hour": 3, "minute": 39}
